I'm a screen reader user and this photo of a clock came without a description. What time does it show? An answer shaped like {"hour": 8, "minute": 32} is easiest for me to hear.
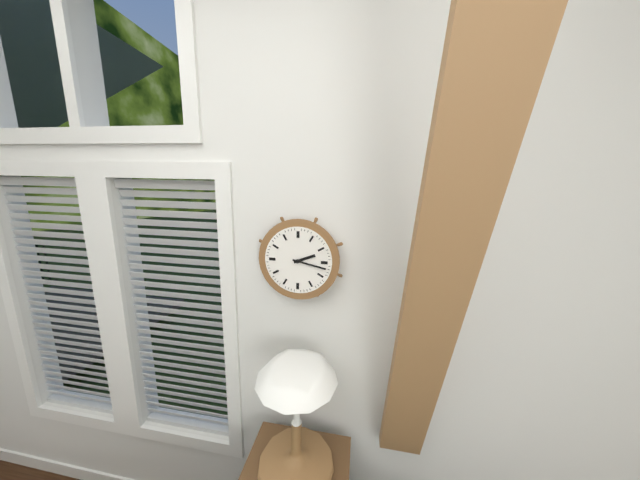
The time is {"hour": 2, "minute": 17}
